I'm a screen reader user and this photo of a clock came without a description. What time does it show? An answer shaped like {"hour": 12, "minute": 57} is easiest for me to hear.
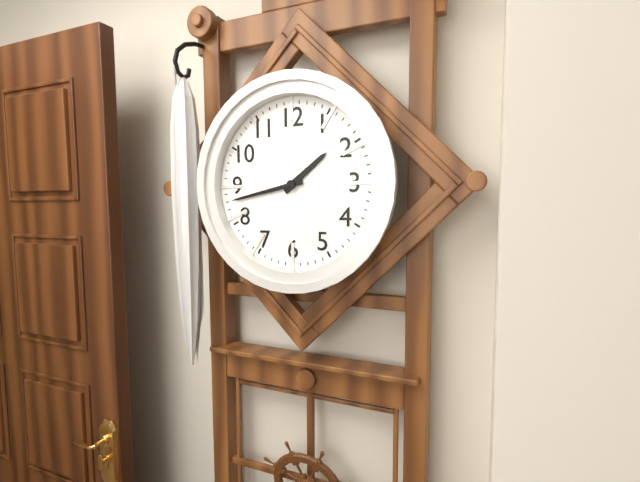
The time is {"hour": 1, "minute": 43}
